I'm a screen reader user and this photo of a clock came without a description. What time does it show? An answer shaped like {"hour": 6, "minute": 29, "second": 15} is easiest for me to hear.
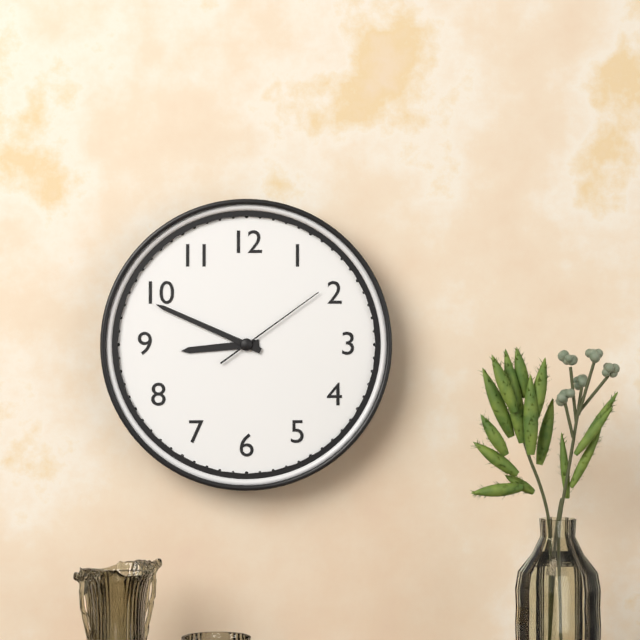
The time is {"hour": 8, "minute": 49, "second": 9}
